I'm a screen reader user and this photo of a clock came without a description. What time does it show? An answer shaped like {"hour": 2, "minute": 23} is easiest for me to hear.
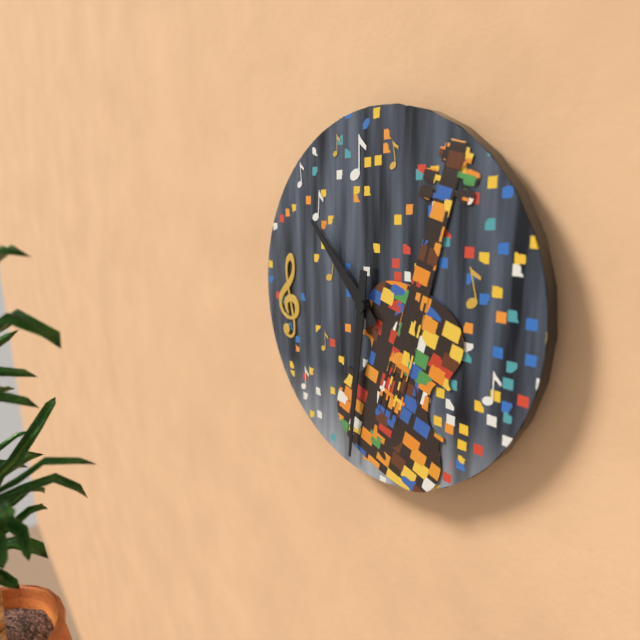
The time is {"hour": 10, "minute": 31}
